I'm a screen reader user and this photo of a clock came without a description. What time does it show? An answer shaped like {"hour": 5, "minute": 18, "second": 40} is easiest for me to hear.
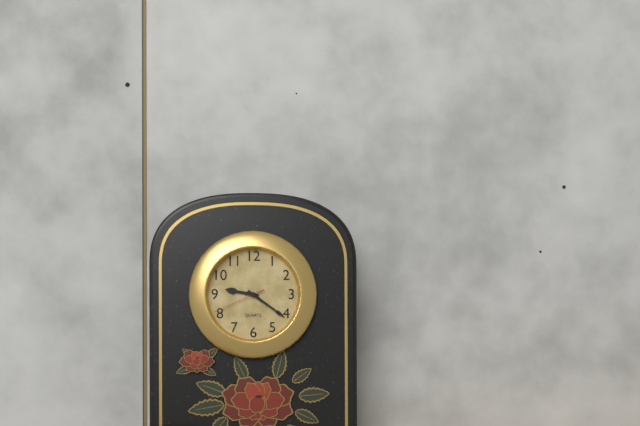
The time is {"hour": 9, "minute": 21, "second": 41}
